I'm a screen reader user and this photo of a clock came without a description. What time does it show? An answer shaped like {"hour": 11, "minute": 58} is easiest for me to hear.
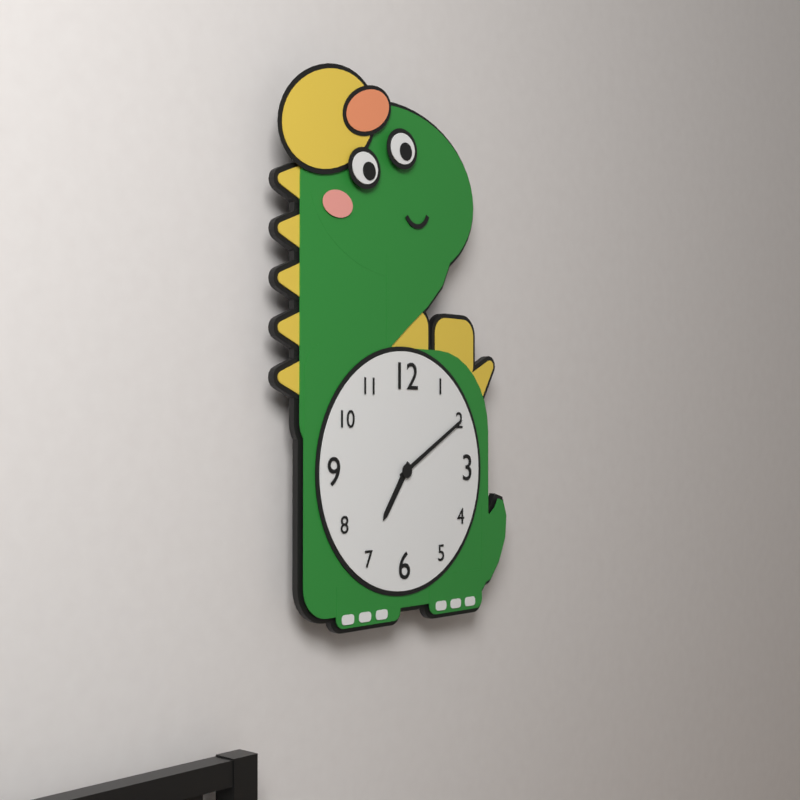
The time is {"hour": 7, "minute": 10}
